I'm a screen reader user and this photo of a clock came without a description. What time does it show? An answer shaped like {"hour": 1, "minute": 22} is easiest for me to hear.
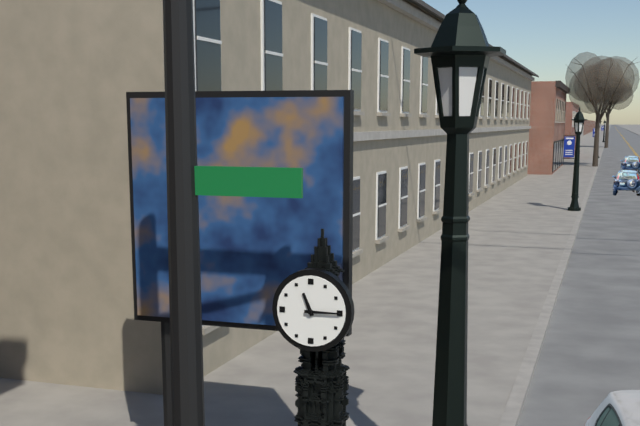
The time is {"hour": 11, "minute": 15}
